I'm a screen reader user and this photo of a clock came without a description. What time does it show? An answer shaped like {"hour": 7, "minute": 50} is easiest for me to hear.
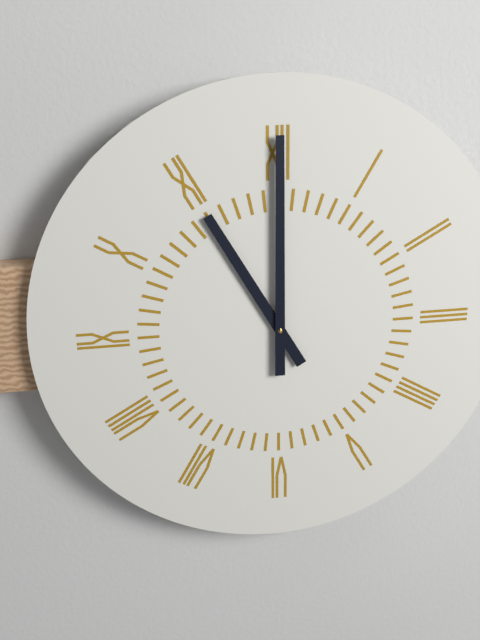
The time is {"hour": 11, "minute": 0}
